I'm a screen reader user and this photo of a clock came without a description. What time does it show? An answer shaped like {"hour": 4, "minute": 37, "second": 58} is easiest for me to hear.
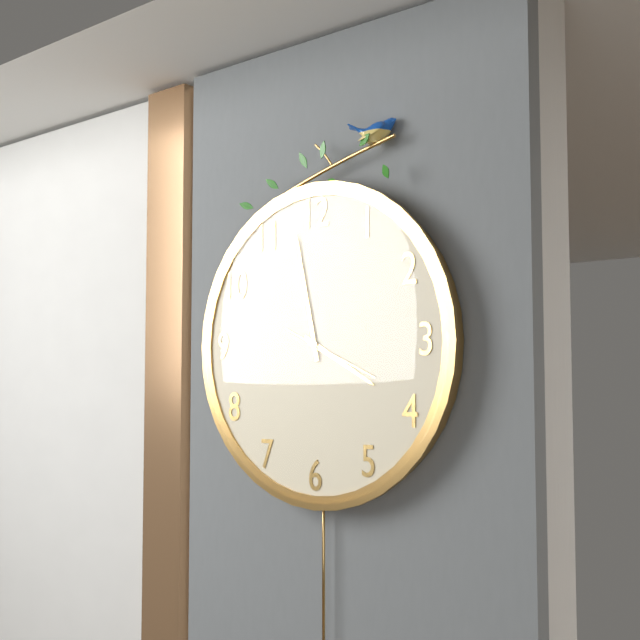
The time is {"hour": 3, "minute": 58, "second": 19}
